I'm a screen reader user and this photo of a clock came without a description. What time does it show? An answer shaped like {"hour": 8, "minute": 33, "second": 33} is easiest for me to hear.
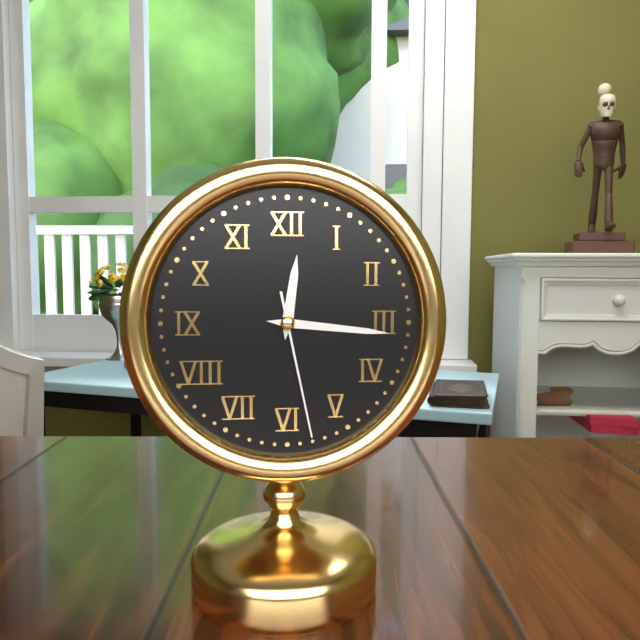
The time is {"hour": 12, "minute": 16, "second": 28}
